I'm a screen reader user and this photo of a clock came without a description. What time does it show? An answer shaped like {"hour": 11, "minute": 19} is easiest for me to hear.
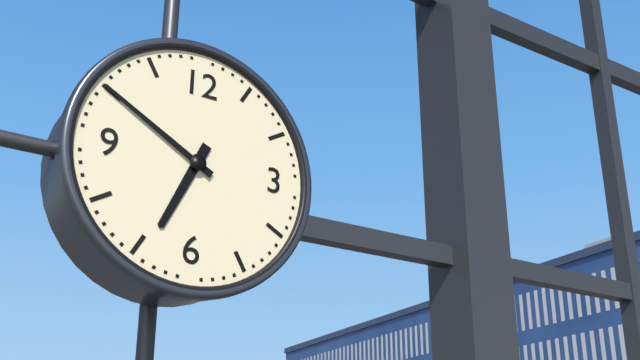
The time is {"hour": 6, "minute": 50}
